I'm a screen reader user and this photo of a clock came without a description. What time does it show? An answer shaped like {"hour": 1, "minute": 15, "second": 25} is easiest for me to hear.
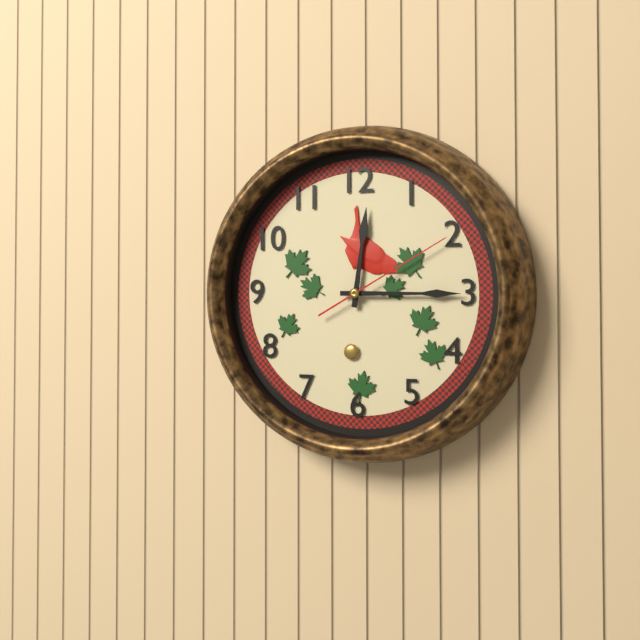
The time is {"hour": 12, "minute": 15, "second": 10}
